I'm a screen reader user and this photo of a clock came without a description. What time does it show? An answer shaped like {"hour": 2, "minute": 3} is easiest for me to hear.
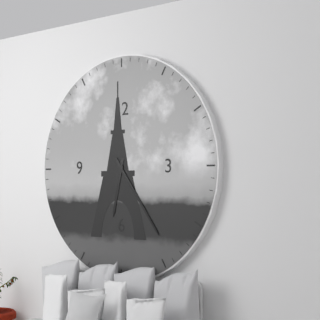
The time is {"hour": 6, "minute": 24}
